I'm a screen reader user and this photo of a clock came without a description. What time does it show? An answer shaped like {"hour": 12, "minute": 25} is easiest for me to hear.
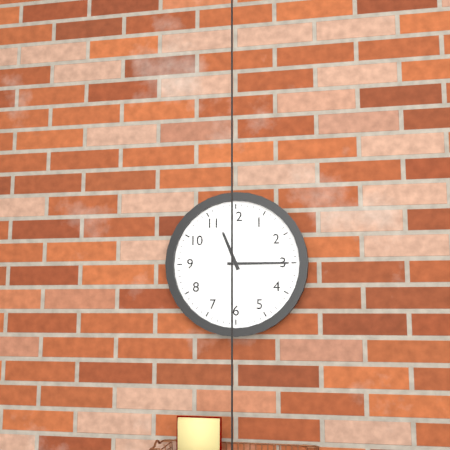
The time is {"hour": 11, "minute": 15}
